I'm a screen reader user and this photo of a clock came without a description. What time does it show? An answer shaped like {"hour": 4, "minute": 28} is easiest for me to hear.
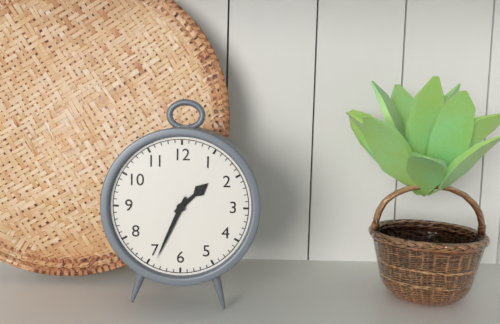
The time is {"hour": 1, "minute": 34}
